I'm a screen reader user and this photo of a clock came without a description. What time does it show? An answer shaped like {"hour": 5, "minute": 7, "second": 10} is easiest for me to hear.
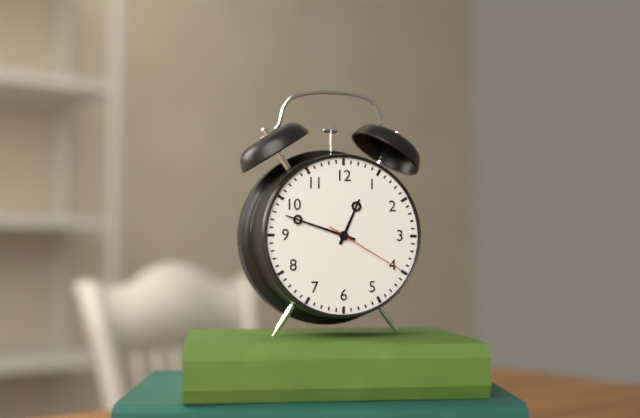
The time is {"hour": 12, "minute": 48, "second": 20}
